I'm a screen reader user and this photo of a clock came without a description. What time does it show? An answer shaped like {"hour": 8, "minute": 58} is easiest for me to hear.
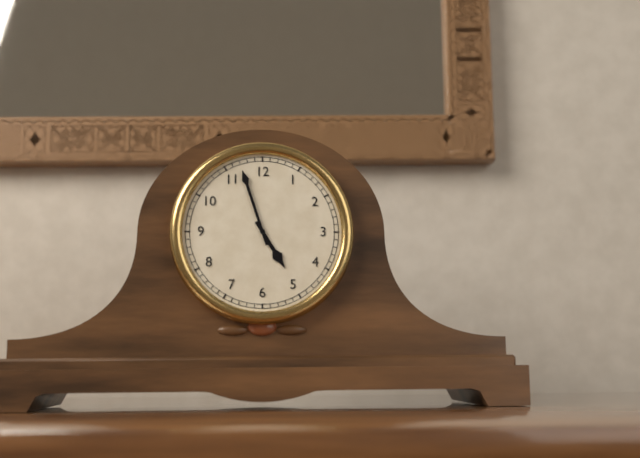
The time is {"hour": 4, "minute": 57}
